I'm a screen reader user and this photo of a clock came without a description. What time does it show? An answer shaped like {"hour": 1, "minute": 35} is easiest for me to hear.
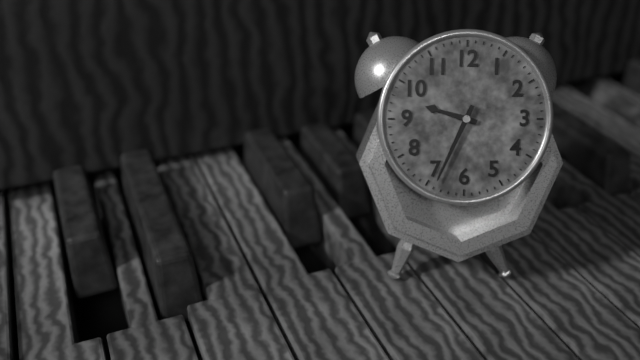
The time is {"hour": 9, "minute": 34}
